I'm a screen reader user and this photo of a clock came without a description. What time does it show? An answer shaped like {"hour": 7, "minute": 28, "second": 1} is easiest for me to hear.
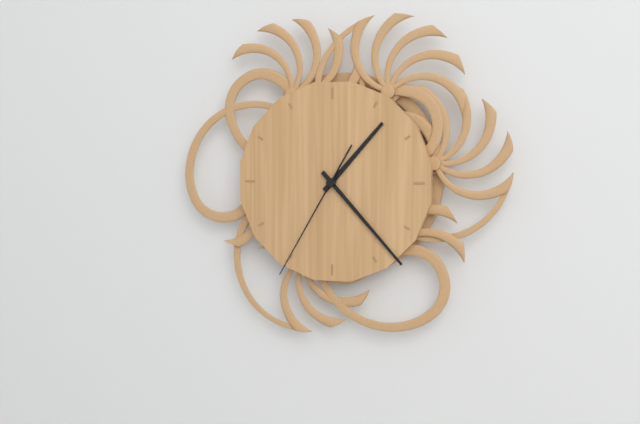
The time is {"hour": 1, "minute": 23, "second": 35}
